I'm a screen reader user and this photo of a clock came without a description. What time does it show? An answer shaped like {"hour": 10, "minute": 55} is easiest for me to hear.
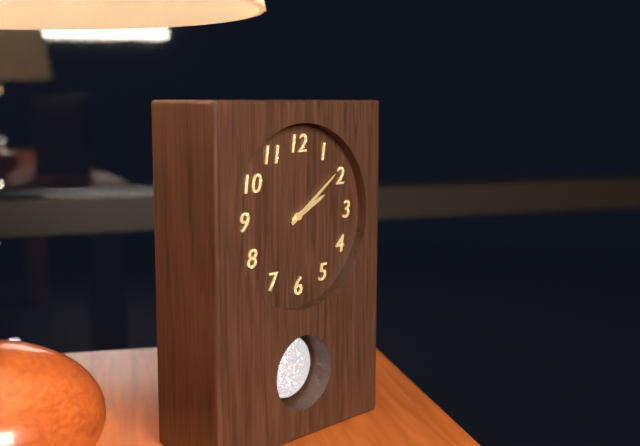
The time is {"hour": 2, "minute": 9}
